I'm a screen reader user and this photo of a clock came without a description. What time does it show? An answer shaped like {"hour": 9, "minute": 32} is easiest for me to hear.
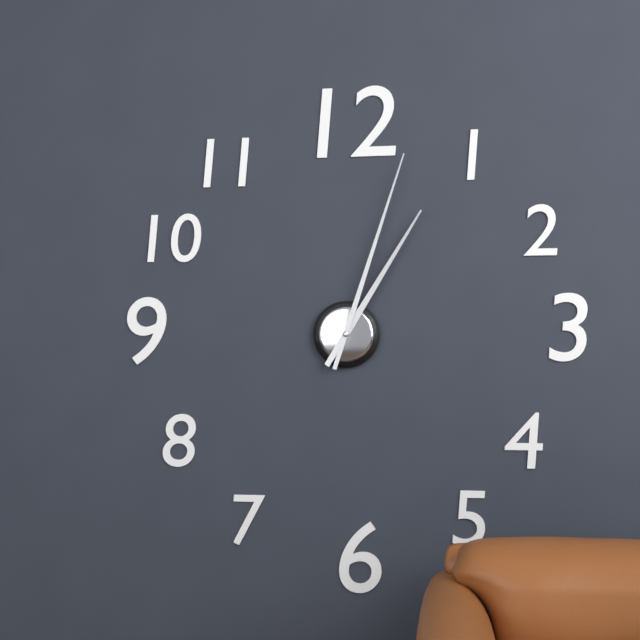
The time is {"hour": 1, "minute": 3}
